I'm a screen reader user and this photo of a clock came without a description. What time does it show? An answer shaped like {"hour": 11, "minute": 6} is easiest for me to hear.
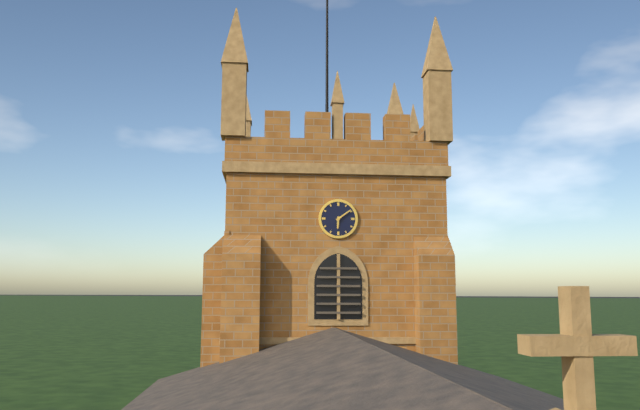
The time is {"hour": 6, "minute": 9}
